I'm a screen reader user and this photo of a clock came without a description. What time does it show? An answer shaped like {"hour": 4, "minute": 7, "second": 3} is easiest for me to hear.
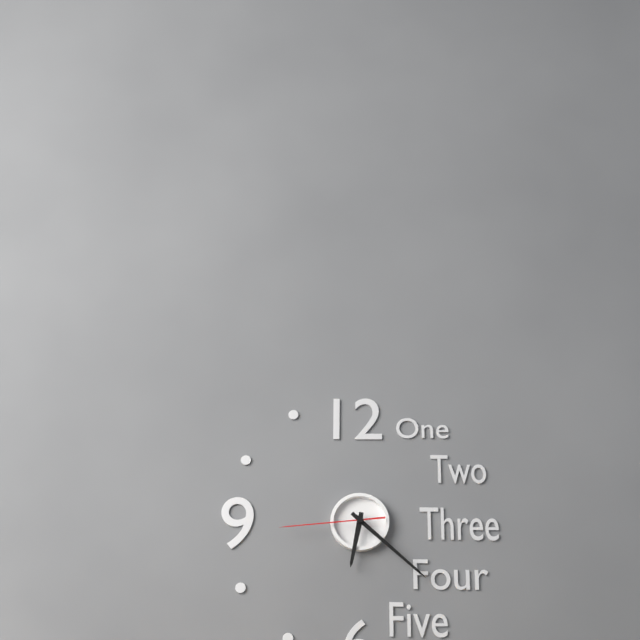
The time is {"hour": 6, "minute": 22, "second": 44}
